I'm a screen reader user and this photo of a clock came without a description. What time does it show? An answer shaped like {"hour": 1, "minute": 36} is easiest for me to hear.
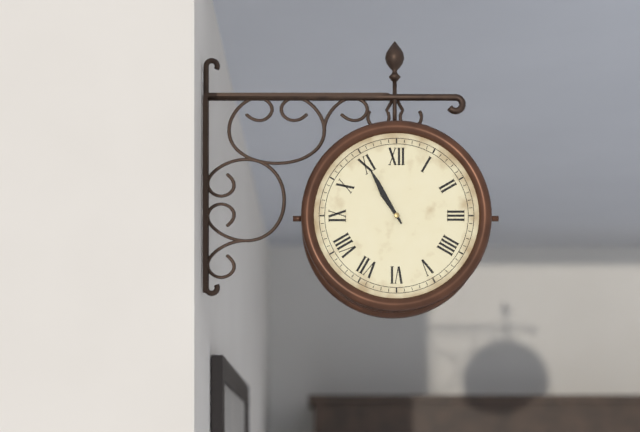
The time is {"hour": 10, "minute": 55}
